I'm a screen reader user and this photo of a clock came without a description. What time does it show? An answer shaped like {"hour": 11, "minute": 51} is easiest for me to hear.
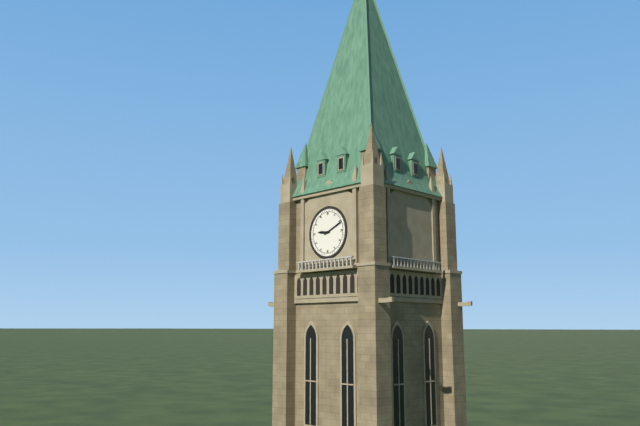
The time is {"hour": 9, "minute": 11}
